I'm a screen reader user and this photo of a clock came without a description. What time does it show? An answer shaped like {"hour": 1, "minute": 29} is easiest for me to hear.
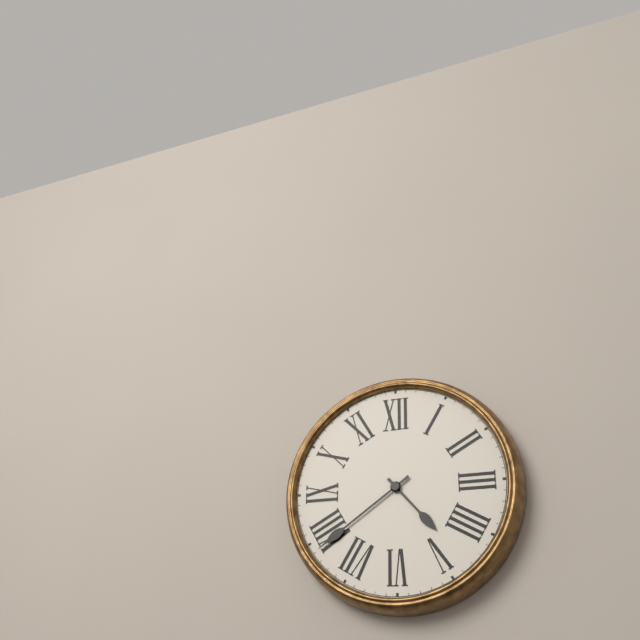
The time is {"hour": 4, "minute": 39}
